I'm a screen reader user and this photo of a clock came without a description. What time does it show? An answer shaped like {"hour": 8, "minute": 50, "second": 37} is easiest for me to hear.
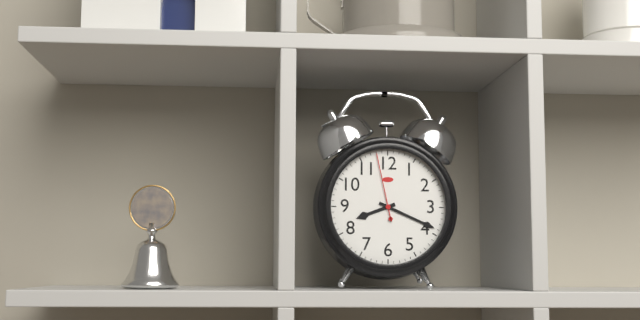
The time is {"hour": 8, "minute": 19, "second": 58}
